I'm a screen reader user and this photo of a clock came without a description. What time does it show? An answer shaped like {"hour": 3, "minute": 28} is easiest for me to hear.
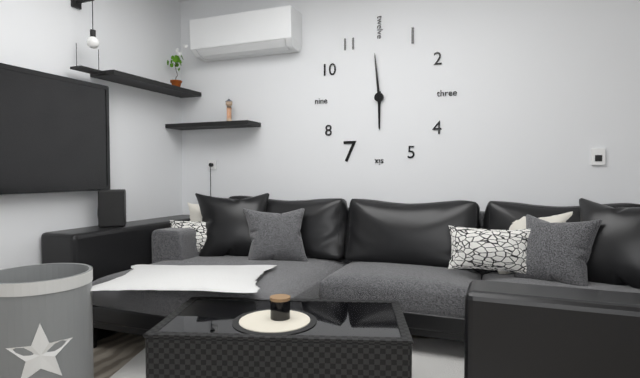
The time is {"hour": 5, "minute": 59}
